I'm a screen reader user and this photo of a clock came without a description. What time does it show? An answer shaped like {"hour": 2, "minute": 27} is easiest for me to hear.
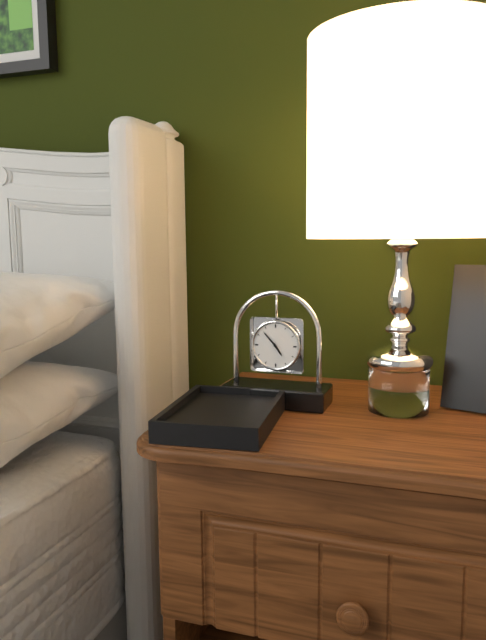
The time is {"hour": 4, "minute": 53}
